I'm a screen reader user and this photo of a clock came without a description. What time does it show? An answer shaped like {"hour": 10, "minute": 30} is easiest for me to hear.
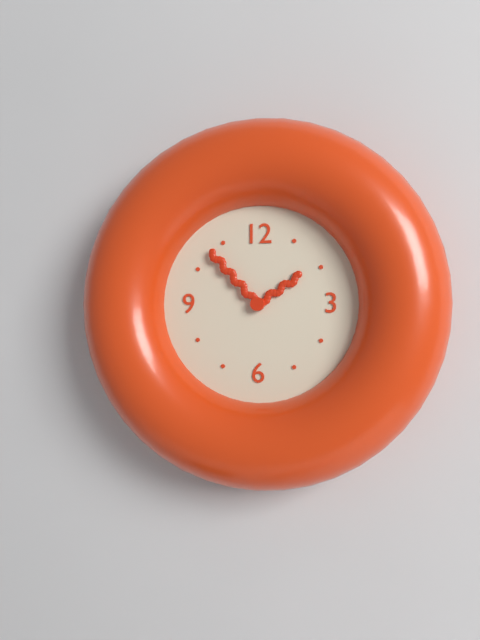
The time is {"hour": 1, "minute": 53}
